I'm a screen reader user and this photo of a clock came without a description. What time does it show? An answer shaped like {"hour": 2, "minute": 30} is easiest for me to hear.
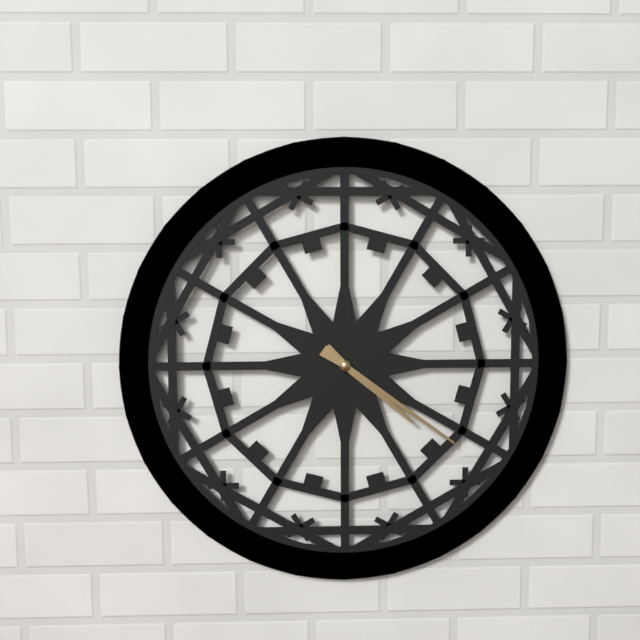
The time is {"hour": 4, "minute": 21}
